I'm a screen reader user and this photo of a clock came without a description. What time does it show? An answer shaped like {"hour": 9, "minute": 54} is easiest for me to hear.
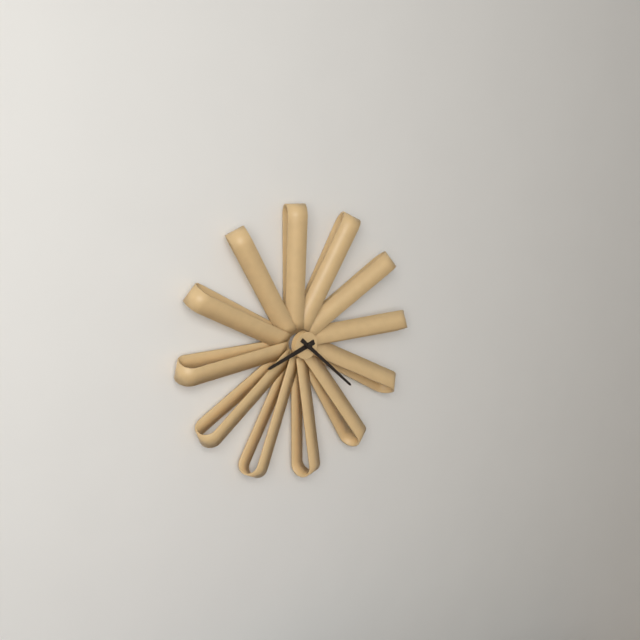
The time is {"hour": 8, "minute": 22}
